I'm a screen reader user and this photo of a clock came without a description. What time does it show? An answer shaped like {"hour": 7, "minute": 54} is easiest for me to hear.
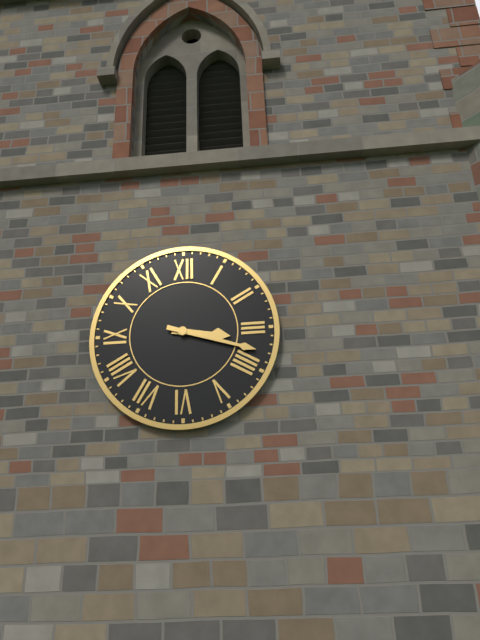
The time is {"hour": 3, "minute": 18}
